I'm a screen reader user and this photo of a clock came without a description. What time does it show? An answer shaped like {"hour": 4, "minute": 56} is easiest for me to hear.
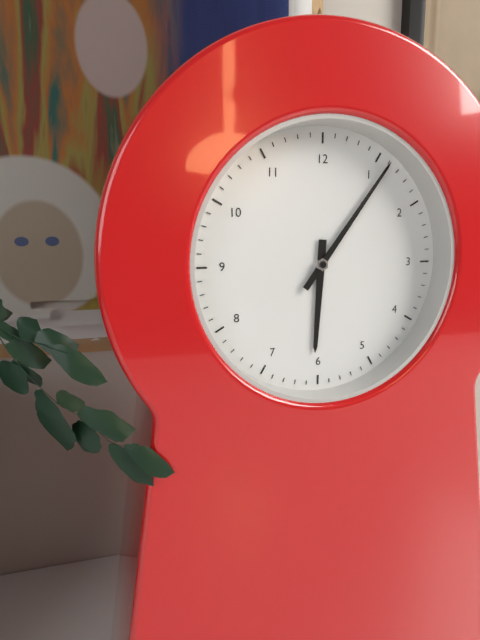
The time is {"hour": 6, "minute": 6}
